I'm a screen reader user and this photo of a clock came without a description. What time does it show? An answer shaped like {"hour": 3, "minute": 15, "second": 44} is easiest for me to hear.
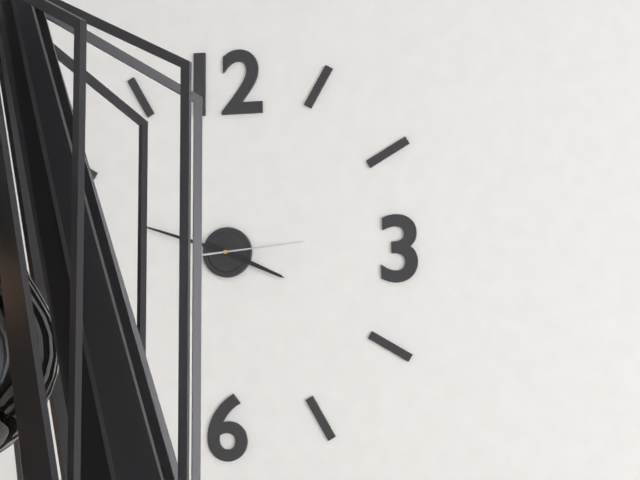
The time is {"hour": 3, "minute": 48, "second": 14}
